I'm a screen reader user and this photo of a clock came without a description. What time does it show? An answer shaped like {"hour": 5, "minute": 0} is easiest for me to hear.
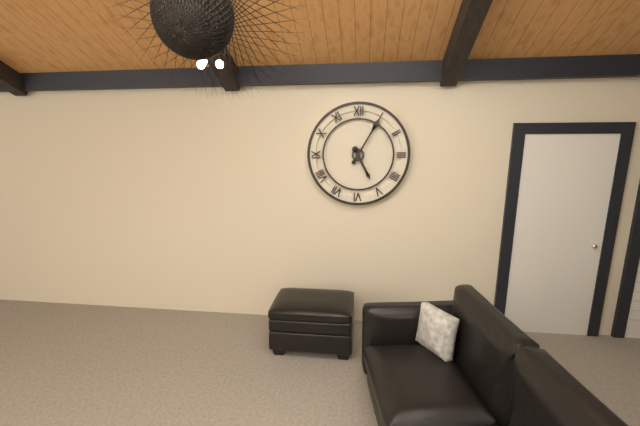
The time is {"hour": 5, "minute": 5}
